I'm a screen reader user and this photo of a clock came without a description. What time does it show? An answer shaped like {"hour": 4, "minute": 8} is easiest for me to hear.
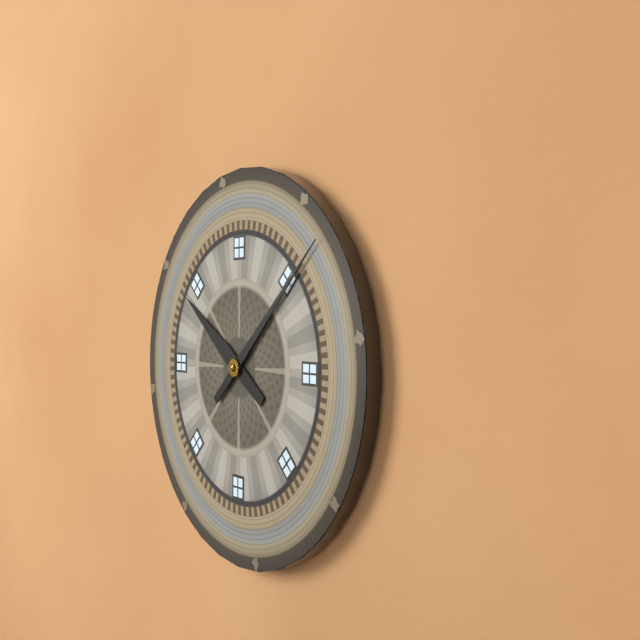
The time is {"hour": 10, "minute": 8}
